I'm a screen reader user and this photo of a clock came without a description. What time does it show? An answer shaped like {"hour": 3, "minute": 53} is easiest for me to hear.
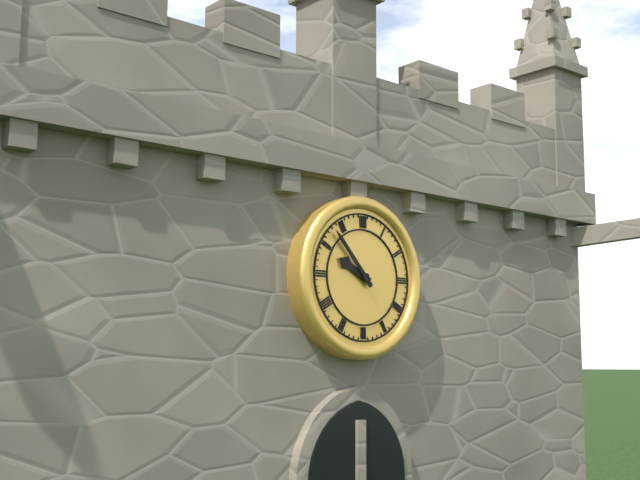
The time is {"hour": 9, "minute": 53}
